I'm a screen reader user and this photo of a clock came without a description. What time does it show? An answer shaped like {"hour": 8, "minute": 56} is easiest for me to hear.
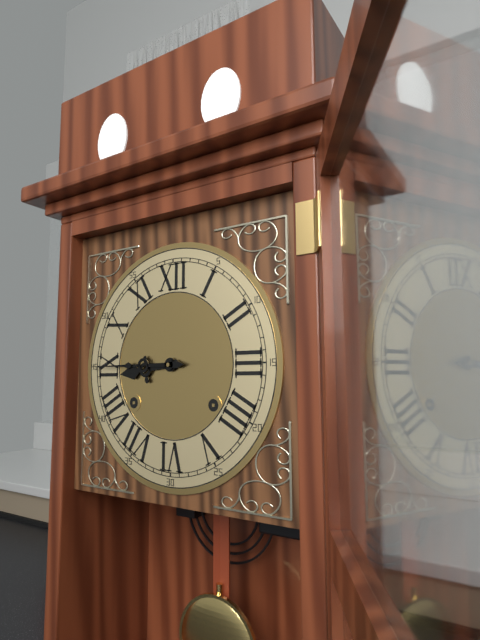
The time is {"hour": 8, "minute": 45}
